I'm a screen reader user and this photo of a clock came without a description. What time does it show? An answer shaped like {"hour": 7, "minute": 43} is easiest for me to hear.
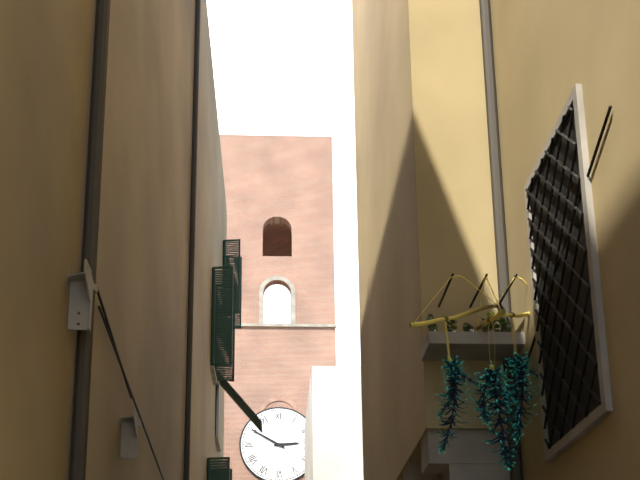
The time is {"hour": 2, "minute": 50}
